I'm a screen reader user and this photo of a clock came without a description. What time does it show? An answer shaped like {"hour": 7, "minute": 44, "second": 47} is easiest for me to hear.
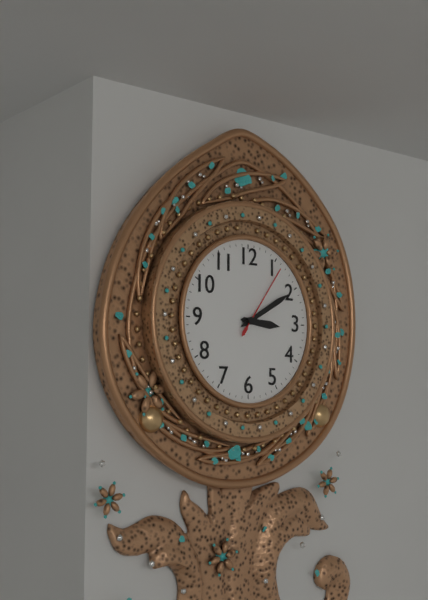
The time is {"hour": 3, "minute": 10, "second": 6}
